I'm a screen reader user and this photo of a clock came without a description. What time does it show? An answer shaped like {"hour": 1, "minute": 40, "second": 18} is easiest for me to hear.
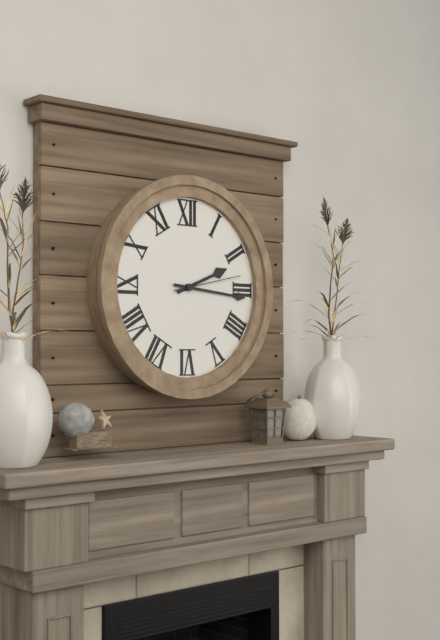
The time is {"hour": 2, "minute": 16, "second": 13}
